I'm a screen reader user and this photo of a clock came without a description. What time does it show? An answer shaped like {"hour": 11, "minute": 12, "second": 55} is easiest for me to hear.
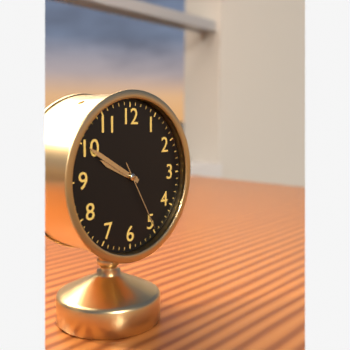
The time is {"hour": 9, "minute": 50, "second": 25}
